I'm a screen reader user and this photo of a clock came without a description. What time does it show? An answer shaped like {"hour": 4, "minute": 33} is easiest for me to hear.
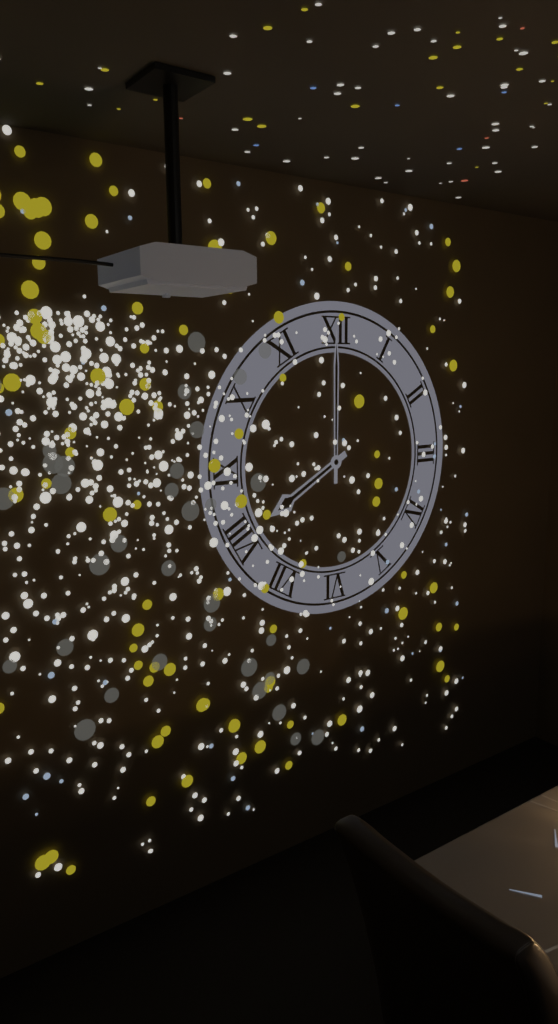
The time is {"hour": 8, "minute": 0}
